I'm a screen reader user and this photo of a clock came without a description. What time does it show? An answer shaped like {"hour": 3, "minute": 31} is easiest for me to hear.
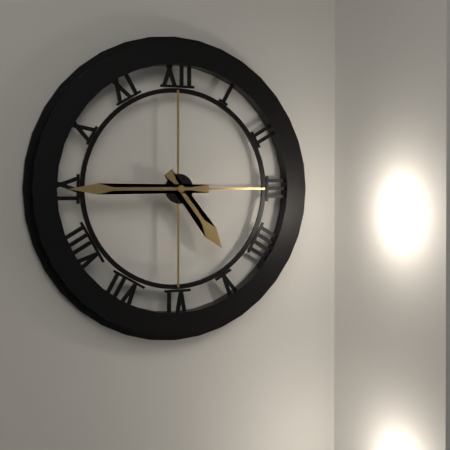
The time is {"hour": 4, "minute": 45}
